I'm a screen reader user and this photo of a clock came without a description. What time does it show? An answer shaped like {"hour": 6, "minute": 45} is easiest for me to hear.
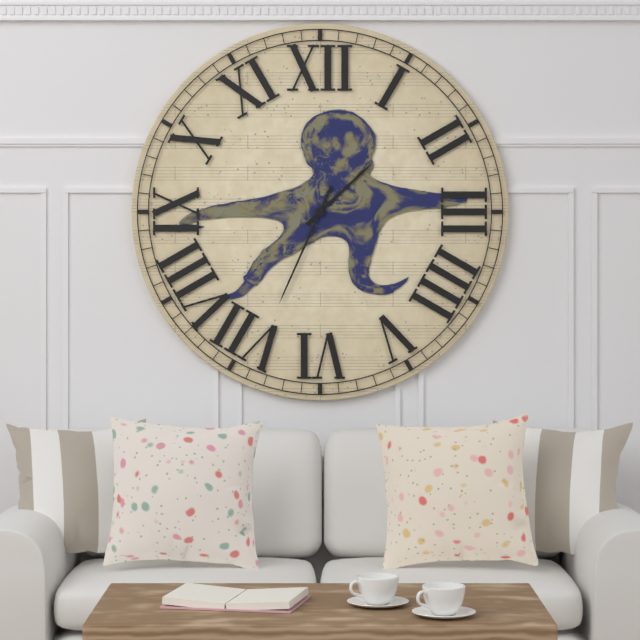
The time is {"hour": 1, "minute": 34}
